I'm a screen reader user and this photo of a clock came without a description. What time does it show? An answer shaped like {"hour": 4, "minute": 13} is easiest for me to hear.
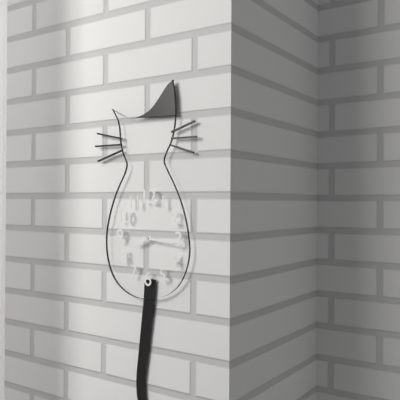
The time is {"hour": 8, "minute": 16}
